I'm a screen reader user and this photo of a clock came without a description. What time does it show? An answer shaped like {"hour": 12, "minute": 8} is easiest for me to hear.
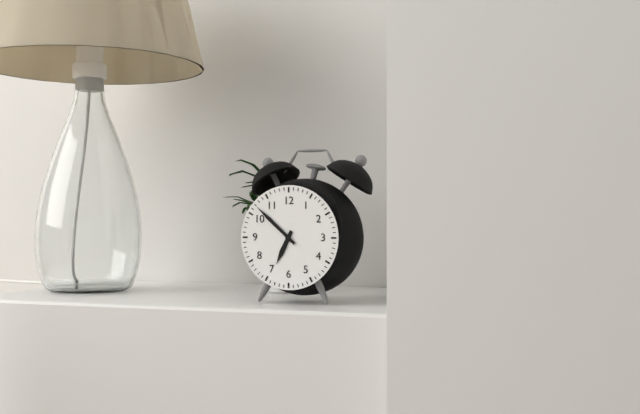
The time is {"hour": 6, "minute": 52}
